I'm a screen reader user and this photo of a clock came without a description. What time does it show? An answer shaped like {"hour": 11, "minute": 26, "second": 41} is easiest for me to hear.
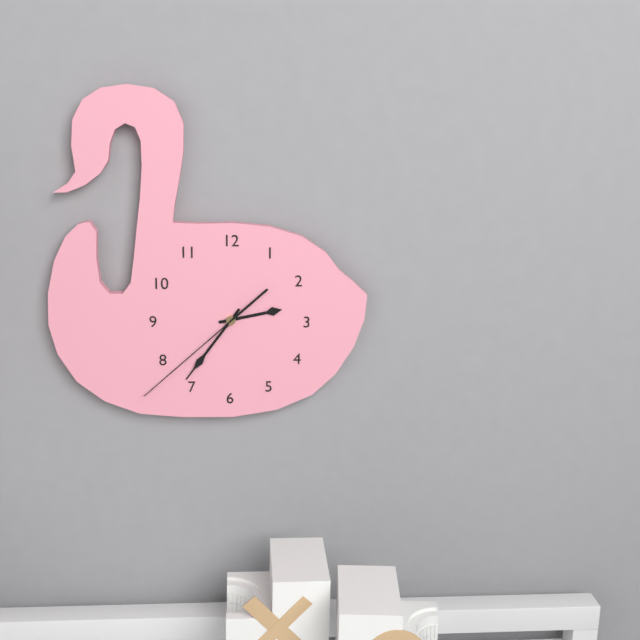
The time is {"hour": 2, "minute": 36, "second": 38}
